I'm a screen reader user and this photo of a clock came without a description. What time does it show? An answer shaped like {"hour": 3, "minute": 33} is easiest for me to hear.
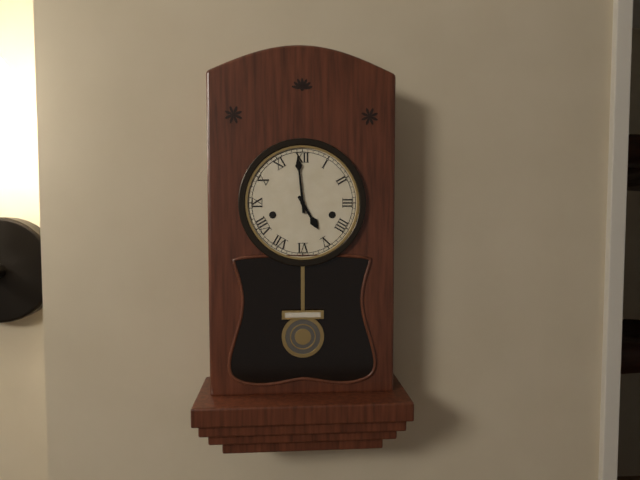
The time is {"hour": 4, "minute": 59}
